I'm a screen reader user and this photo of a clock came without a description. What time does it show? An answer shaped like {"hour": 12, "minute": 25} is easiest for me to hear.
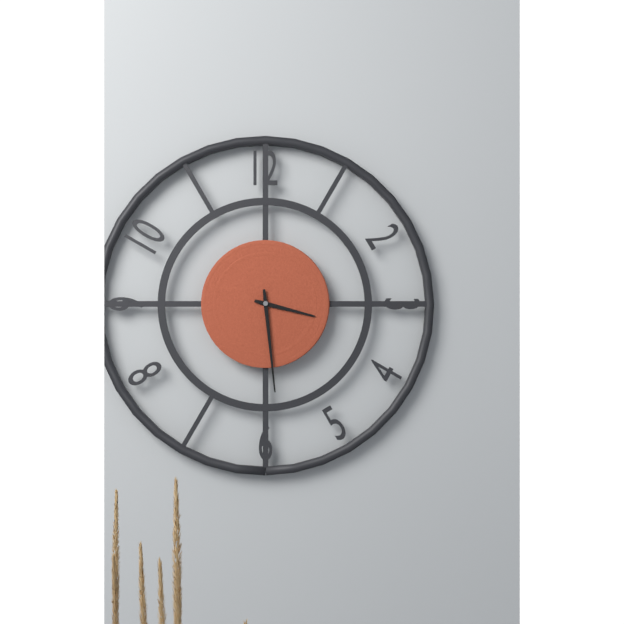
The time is {"hour": 3, "minute": 29}
